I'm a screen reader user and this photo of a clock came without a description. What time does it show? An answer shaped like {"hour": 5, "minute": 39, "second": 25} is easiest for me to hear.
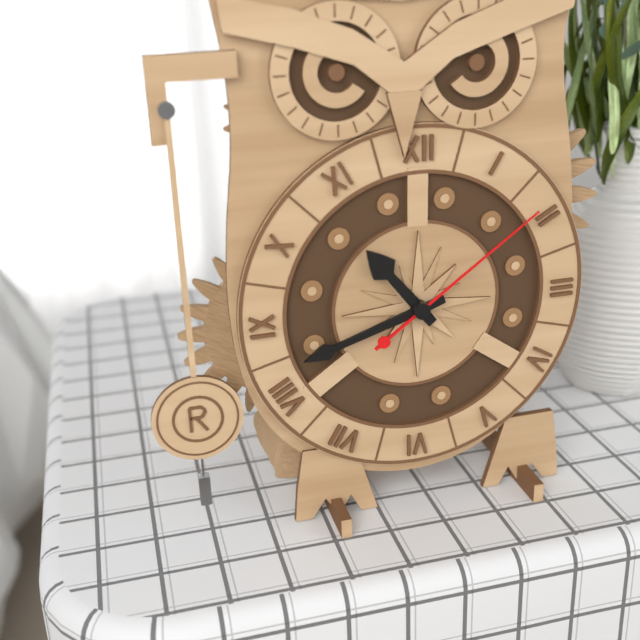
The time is {"hour": 10, "minute": 42, "second": 9}
